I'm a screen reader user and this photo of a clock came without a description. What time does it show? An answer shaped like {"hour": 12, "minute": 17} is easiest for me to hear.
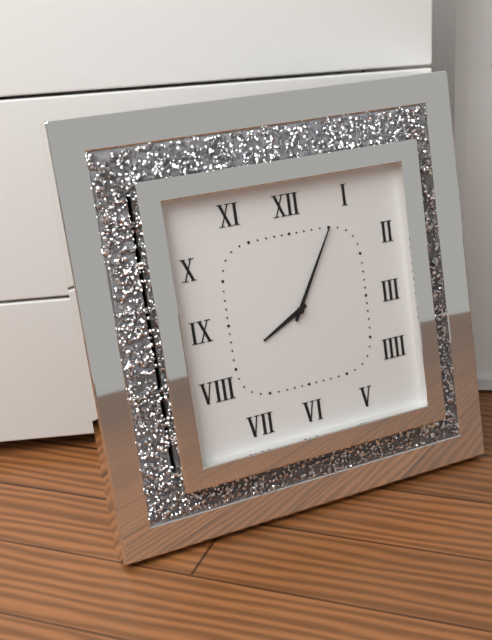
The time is {"hour": 8, "minute": 5}
